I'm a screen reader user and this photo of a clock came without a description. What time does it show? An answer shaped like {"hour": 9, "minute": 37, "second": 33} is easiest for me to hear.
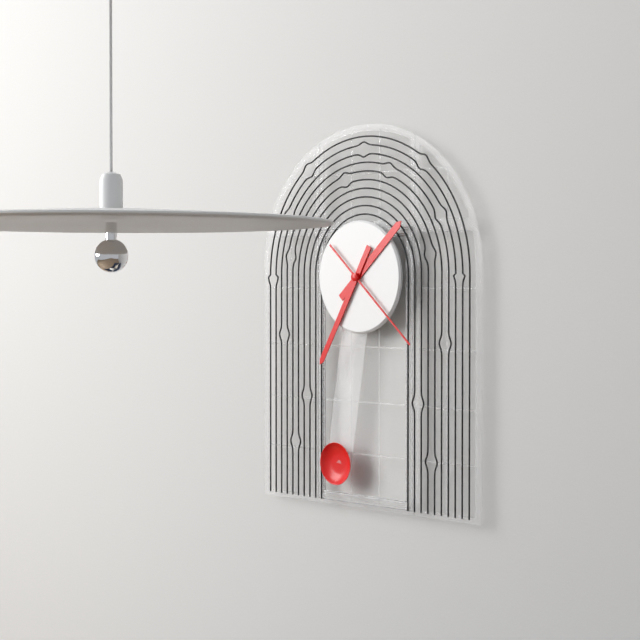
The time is {"hour": 1, "minute": 35, "second": 22}
